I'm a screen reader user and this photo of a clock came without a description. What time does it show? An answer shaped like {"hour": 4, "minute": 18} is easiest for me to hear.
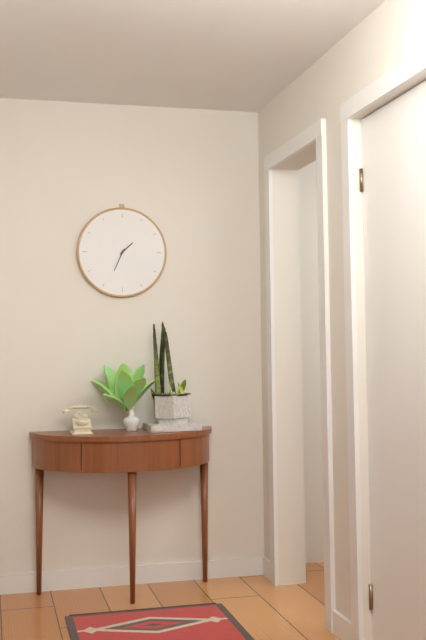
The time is {"hour": 1, "minute": 34}
